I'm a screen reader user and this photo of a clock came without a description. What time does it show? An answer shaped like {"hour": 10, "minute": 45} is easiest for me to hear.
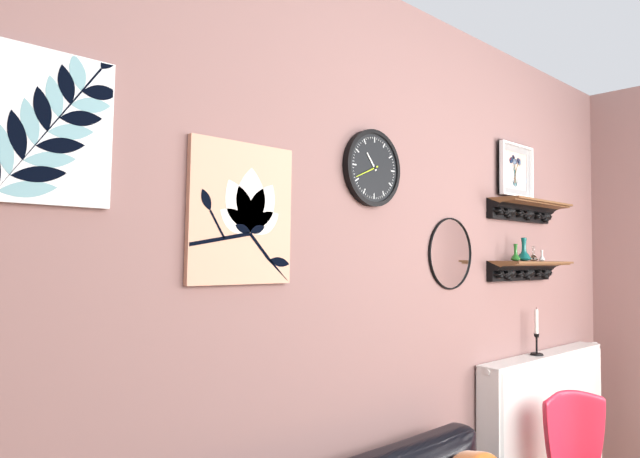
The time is {"hour": 10, "minute": 41}
